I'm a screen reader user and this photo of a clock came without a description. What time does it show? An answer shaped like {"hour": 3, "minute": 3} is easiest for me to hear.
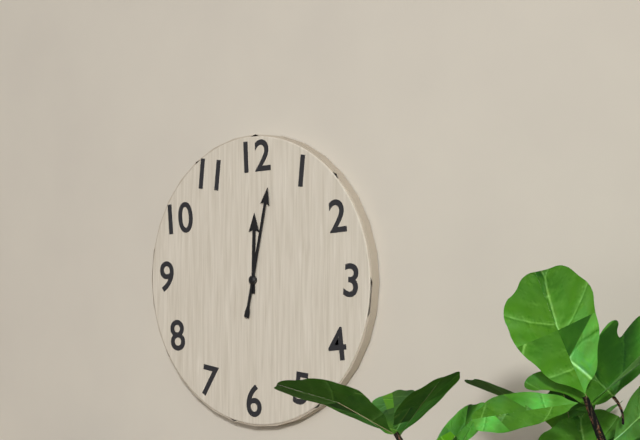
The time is {"hour": 12, "minute": 2}
